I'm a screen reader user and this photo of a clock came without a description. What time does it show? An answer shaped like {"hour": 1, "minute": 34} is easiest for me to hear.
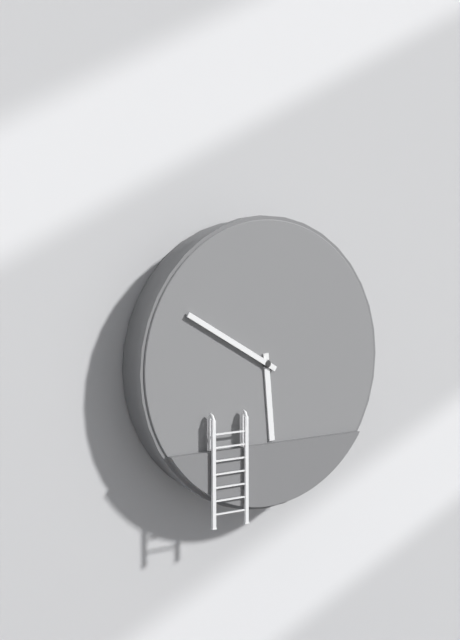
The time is {"hour": 5, "minute": 50}
